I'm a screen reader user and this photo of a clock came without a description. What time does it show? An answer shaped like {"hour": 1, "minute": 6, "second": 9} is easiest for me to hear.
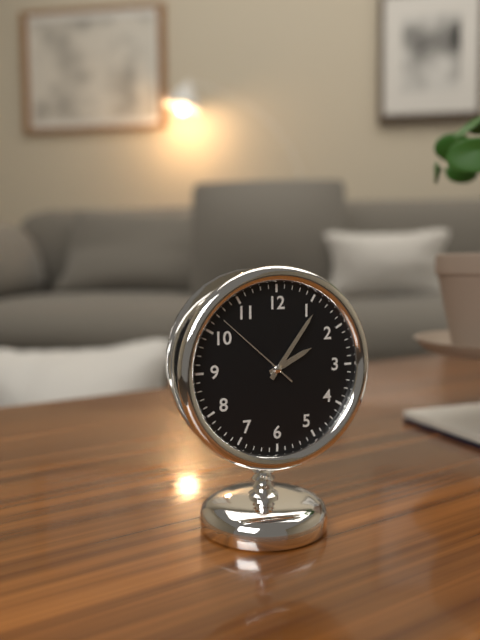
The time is {"hour": 2, "minute": 6, "second": 52}
